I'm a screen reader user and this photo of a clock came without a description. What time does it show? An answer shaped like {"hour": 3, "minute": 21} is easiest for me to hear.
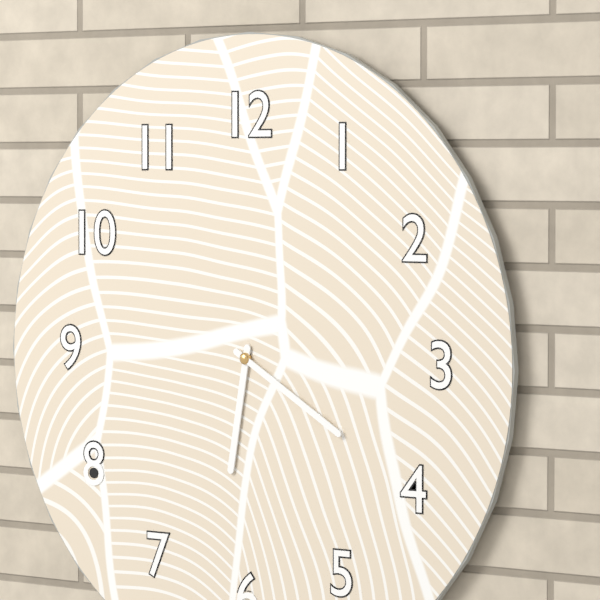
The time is {"hour": 6, "minute": 20}
